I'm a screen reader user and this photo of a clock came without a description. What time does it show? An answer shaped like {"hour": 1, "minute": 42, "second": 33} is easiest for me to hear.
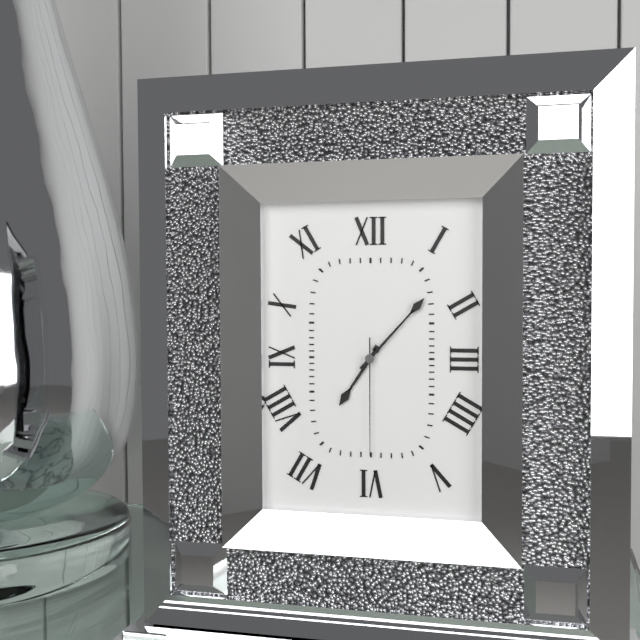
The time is {"hour": 7, "minute": 7, "second": 30}
